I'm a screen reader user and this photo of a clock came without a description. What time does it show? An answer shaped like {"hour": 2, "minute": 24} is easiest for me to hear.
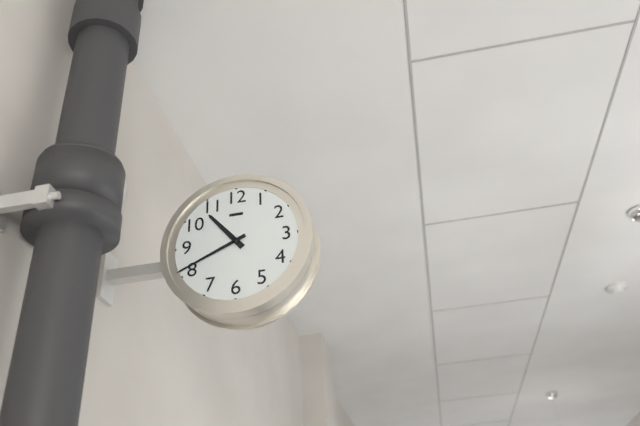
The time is {"hour": 10, "minute": 41}
